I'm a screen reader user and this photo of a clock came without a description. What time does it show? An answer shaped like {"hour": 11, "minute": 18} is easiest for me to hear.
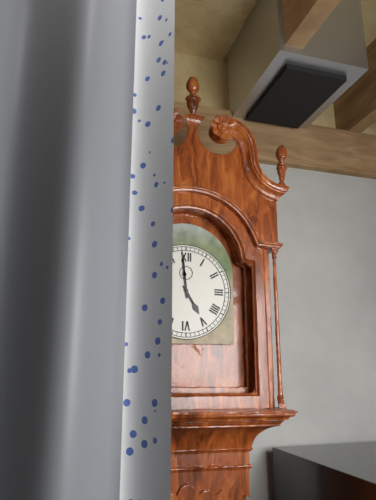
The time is {"hour": 4, "minute": 59}
